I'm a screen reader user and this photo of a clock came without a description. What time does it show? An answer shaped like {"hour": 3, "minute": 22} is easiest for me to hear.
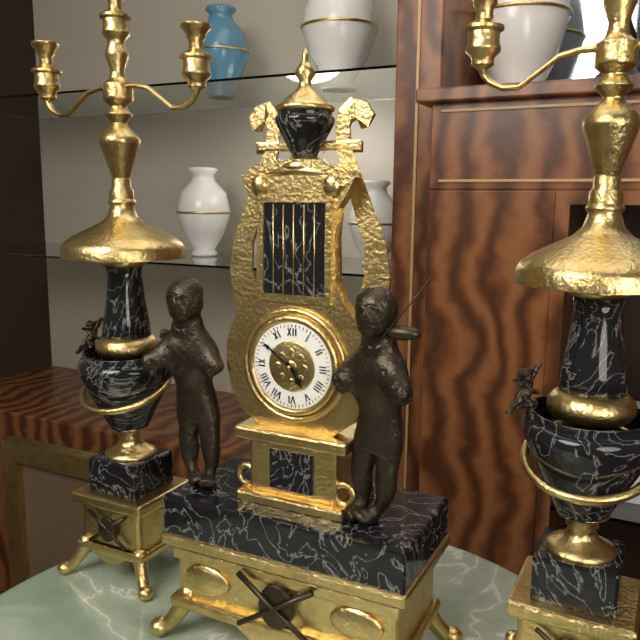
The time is {"hour": 4, "minute": 51}
